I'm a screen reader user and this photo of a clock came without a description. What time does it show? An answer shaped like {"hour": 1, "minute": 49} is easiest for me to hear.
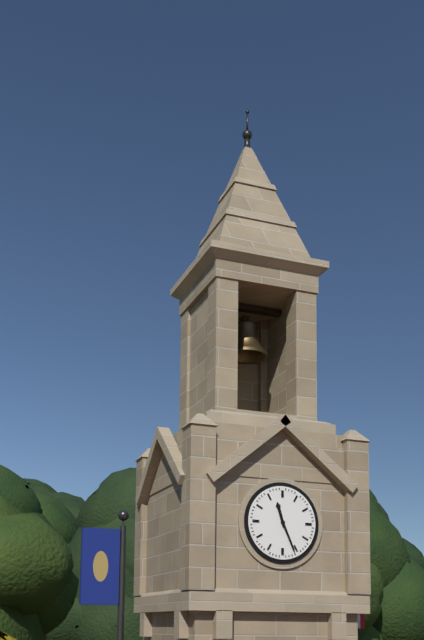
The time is {"hour": 11, "minute": 26}
